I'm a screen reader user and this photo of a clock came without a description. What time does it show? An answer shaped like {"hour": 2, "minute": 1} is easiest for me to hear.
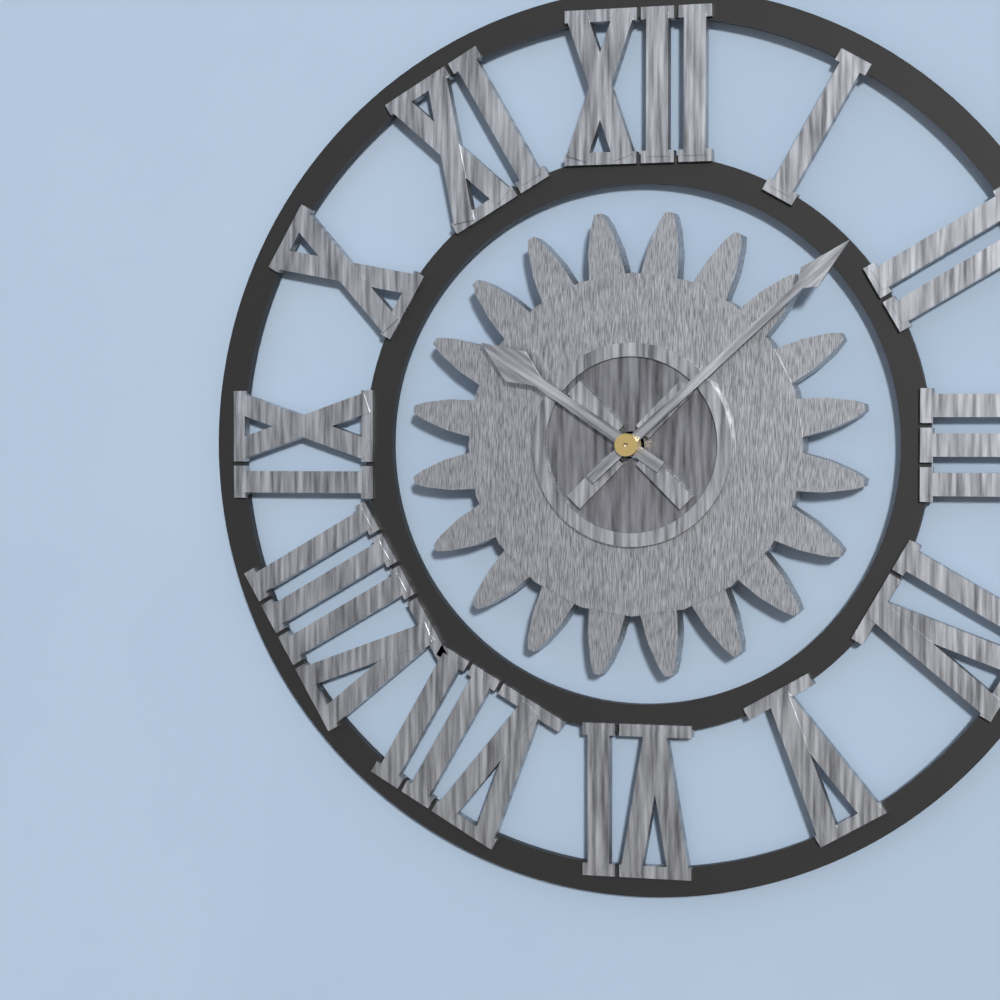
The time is {"hour": 10, "minute": 8}
